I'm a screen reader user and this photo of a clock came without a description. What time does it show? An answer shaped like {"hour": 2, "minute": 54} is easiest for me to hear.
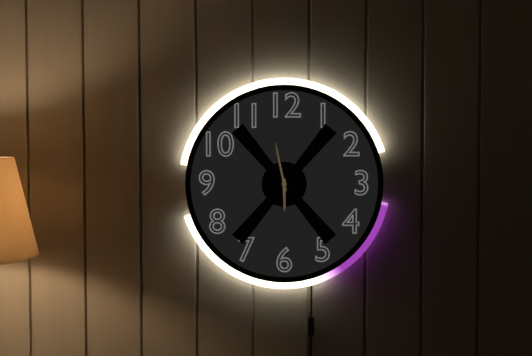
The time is {"hour": 5, "minute": 58}
